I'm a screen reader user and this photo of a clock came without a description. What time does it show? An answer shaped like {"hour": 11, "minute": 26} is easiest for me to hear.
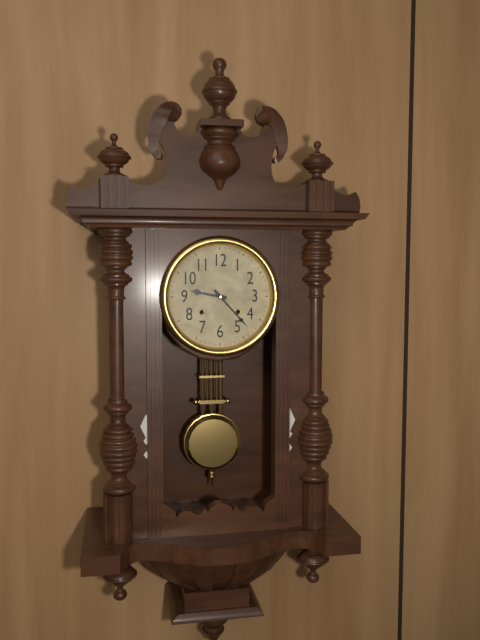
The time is {"hour": 9, "minute": 23}
